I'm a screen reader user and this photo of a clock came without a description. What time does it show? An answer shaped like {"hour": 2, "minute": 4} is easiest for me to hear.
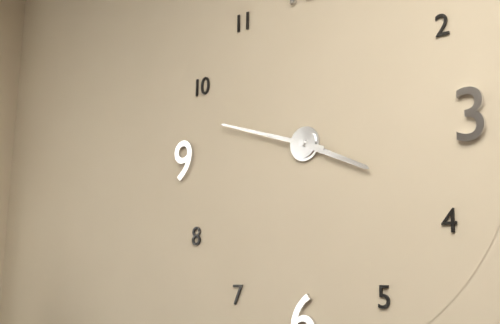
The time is {"hour": 3, "minute": 48}
